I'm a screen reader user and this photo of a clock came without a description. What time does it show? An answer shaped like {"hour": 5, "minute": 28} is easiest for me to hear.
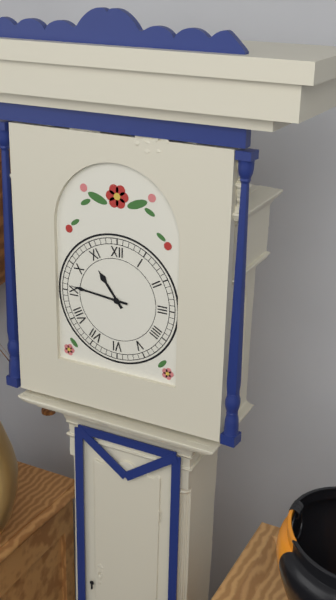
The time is {"hour": 10, "minute": 46}
